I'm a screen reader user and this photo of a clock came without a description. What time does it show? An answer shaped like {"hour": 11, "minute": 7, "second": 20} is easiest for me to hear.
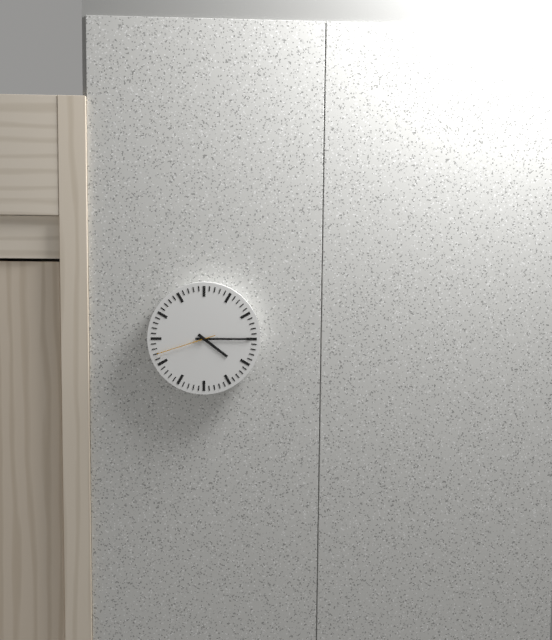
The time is {"hour": 4, "minute": 15, "second": 42}
